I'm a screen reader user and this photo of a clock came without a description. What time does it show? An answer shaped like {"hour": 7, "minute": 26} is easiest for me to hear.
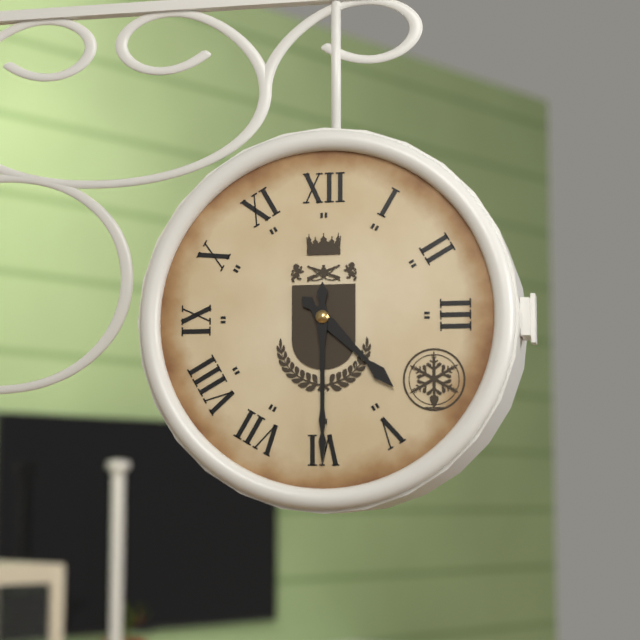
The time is {"hour": 4, "minute": 30}
